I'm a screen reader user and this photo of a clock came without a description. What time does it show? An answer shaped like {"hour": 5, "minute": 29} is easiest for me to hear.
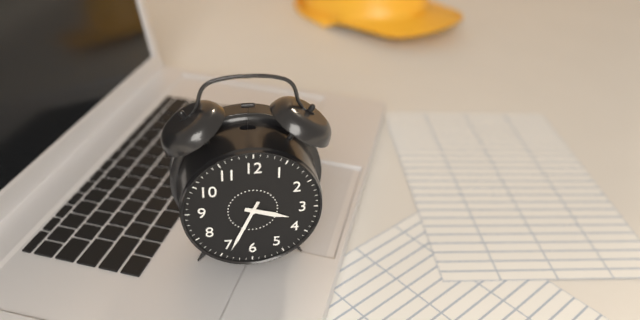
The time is {"hour": 3, "minute": 34}
